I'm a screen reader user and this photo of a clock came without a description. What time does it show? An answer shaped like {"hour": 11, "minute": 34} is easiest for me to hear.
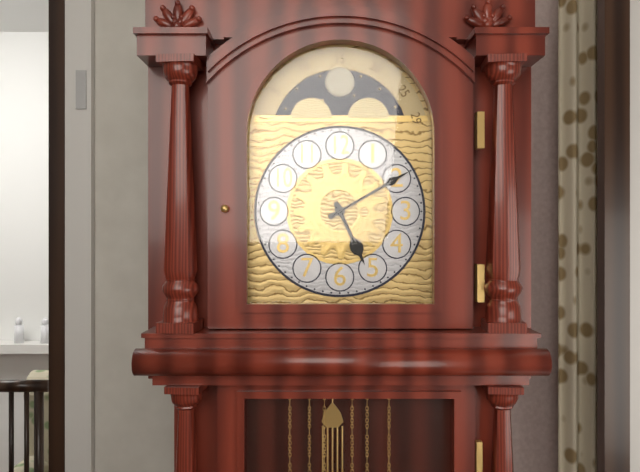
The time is {"hour": 5, "minute": 10}
